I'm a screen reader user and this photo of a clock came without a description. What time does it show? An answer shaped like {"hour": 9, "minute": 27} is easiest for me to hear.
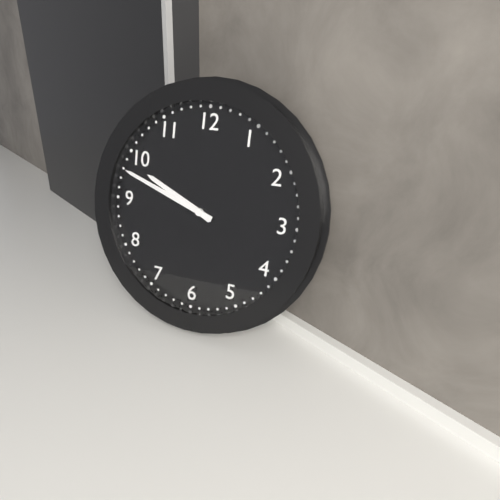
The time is {"hour": 9, "minute": 48}
